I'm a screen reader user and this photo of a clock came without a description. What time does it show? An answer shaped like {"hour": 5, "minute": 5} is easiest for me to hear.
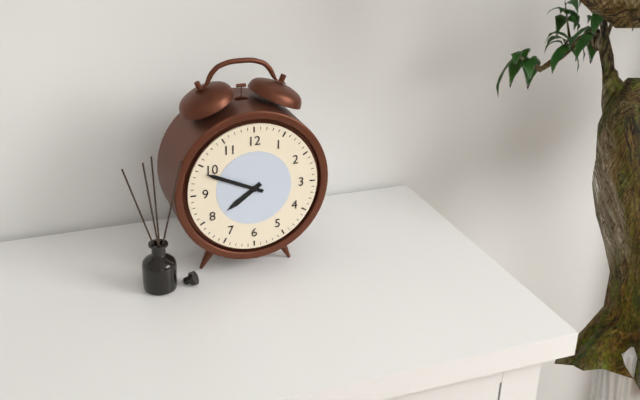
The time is {"hour": 7, "minute": 49}
